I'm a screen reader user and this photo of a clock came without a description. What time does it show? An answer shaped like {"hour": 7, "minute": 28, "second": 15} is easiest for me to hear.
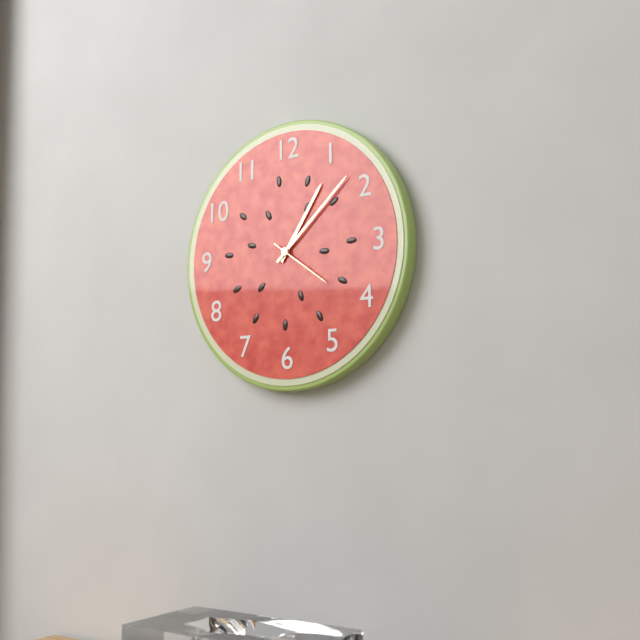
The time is {"hour": 1, "minute": 8, "second": 21}
